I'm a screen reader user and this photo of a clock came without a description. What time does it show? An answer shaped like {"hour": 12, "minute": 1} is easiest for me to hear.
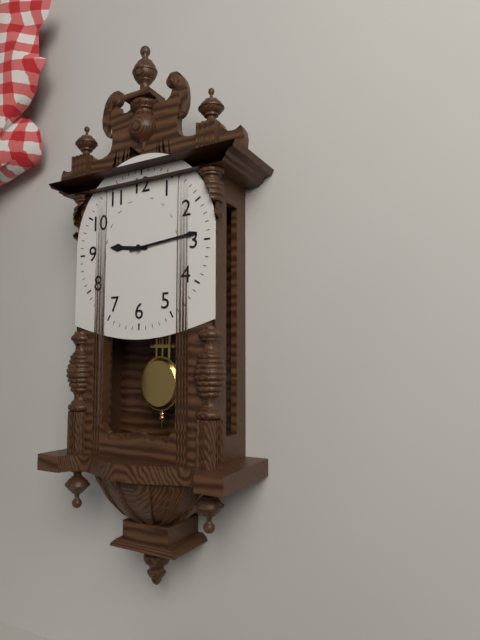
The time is {"hour": 9, "minute": 14}
